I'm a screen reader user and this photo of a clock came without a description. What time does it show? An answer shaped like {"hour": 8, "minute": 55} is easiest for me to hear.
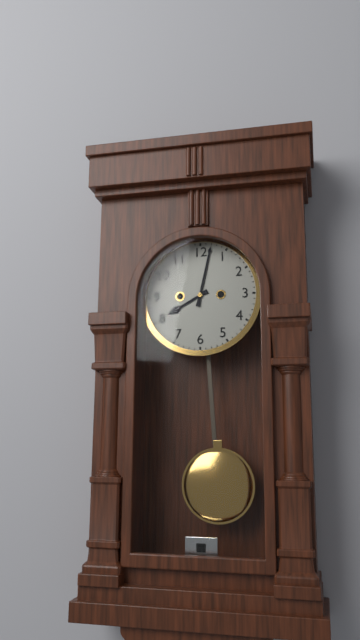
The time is {"hour": 8, "minute": 2}
